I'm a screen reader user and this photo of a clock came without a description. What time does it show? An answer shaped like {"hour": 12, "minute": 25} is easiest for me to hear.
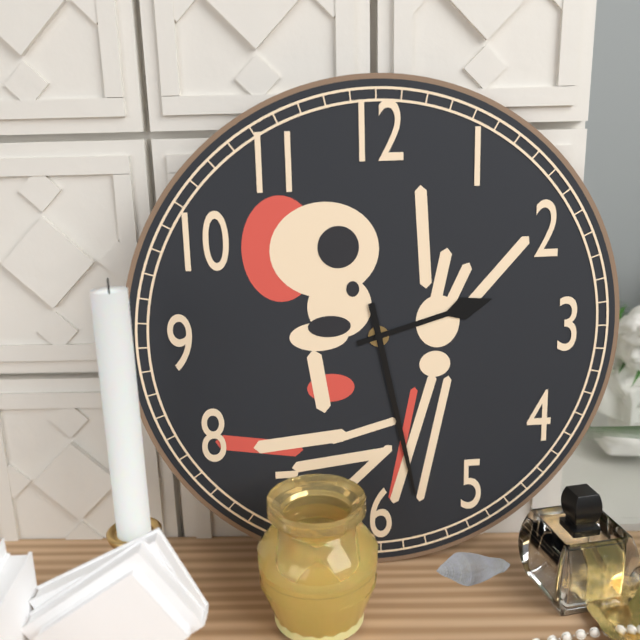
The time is {"hour": 2, "minute": 28}
